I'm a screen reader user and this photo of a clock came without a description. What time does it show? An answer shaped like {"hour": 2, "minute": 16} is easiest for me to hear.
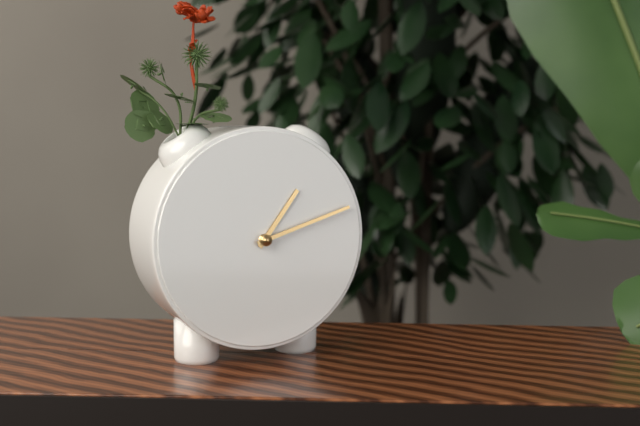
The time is {"hour": 1, "minute": 12}
